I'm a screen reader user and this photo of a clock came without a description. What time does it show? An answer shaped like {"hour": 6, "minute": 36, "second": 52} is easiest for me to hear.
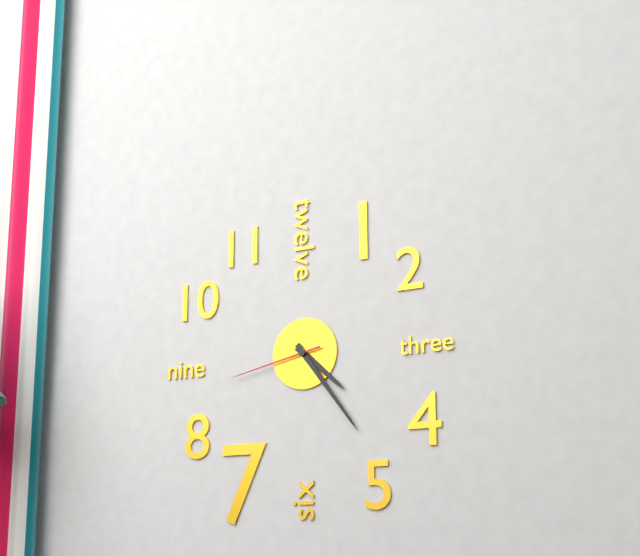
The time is {"hour": 4, "minute": 24, "second": 43}
